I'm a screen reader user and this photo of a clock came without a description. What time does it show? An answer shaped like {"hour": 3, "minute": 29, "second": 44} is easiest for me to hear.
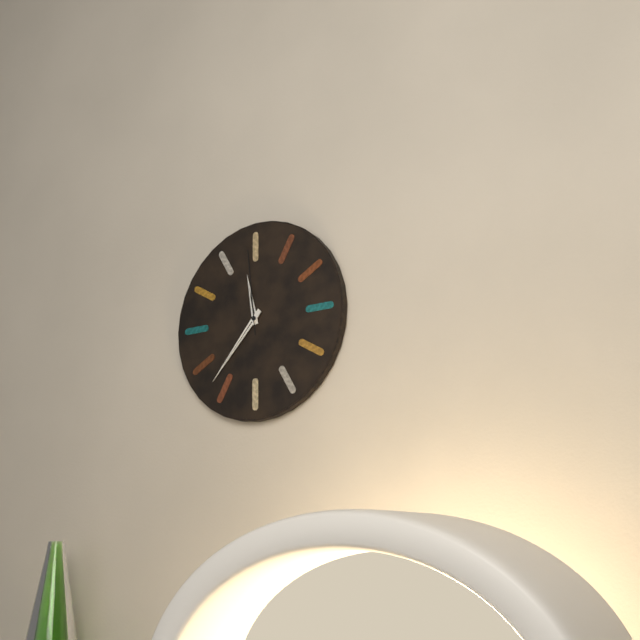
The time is {"hour": 11, "minute": 37, "second": 59}
